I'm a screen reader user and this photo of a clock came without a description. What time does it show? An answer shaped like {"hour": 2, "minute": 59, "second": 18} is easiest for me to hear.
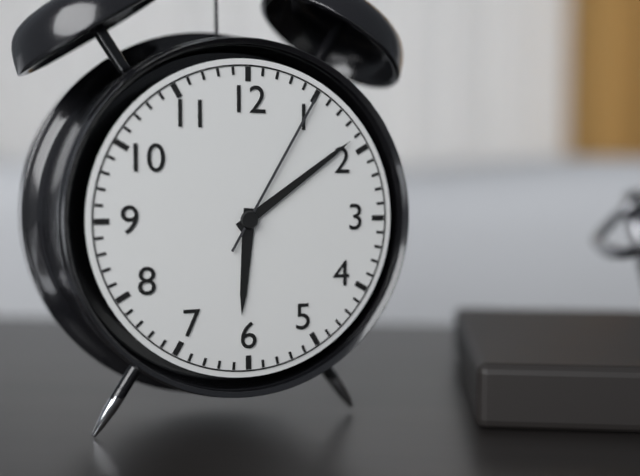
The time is {"hour": 6, "minute": 9, "second": 5}
